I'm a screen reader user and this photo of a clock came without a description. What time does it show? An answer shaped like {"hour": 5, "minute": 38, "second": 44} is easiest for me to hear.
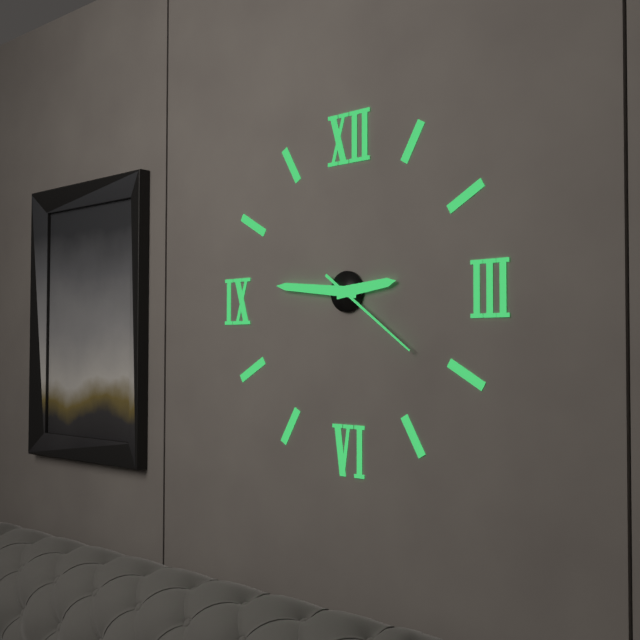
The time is {"hour": 2, "minute": 46, "second": 21}
